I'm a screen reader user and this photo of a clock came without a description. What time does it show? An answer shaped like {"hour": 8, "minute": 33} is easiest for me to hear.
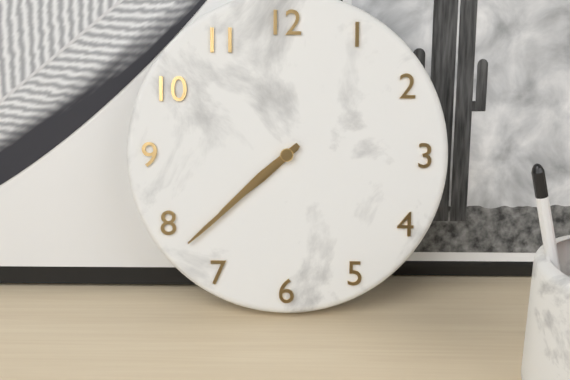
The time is {"hour": 7, "minute": 38}
